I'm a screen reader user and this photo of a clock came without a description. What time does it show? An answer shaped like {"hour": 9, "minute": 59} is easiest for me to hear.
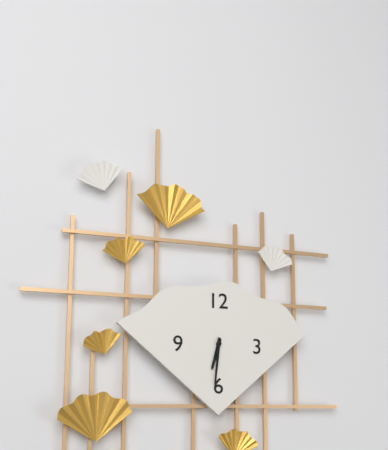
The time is {"hour": 6, "minute": 31}
